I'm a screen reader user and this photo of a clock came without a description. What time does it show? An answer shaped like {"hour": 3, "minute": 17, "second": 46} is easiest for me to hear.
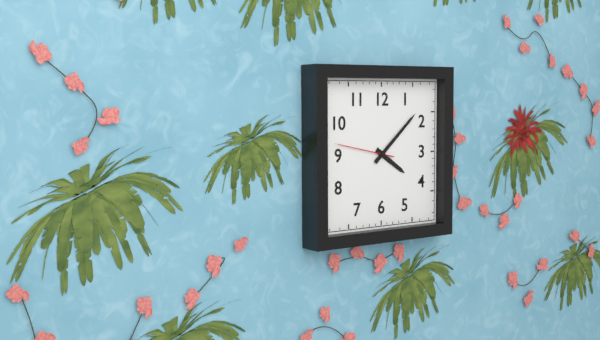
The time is {"hour": 4, "minute": 8, "second": 47}
